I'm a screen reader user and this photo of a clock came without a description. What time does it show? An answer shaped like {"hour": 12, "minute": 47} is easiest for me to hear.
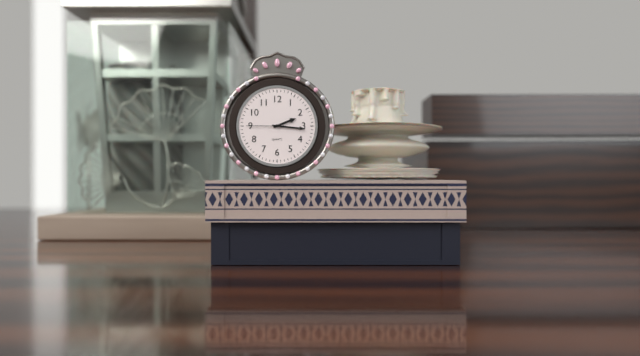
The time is {"hour": 2, "minute": 16}
